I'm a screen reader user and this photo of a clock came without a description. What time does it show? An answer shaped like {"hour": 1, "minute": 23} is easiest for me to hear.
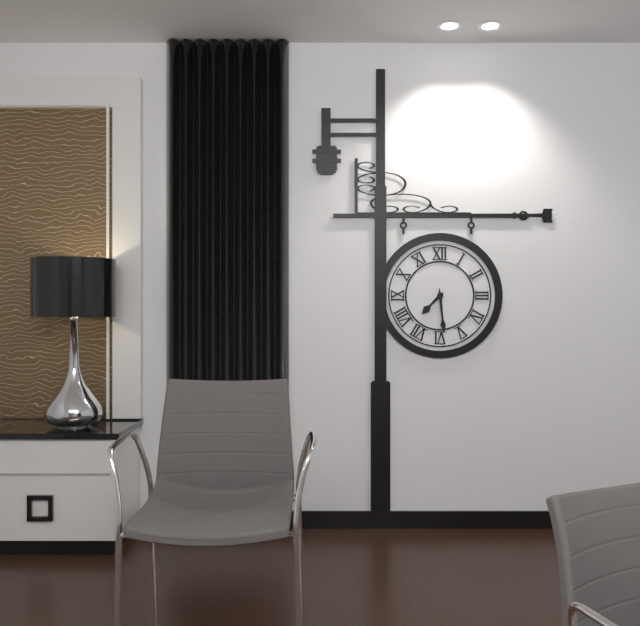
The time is {"hour": 7, "minute": 29}
